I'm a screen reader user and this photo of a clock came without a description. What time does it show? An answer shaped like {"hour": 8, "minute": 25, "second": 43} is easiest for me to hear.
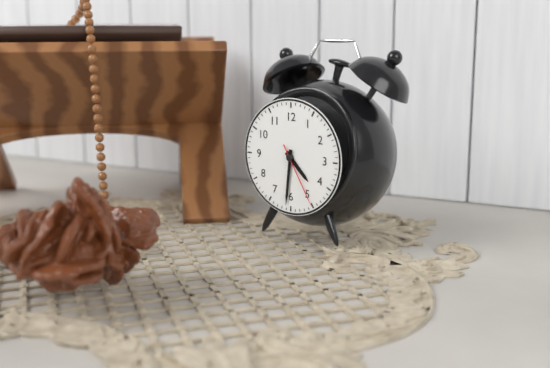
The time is {"hour": 4, "minute": 31, "second": 25}
